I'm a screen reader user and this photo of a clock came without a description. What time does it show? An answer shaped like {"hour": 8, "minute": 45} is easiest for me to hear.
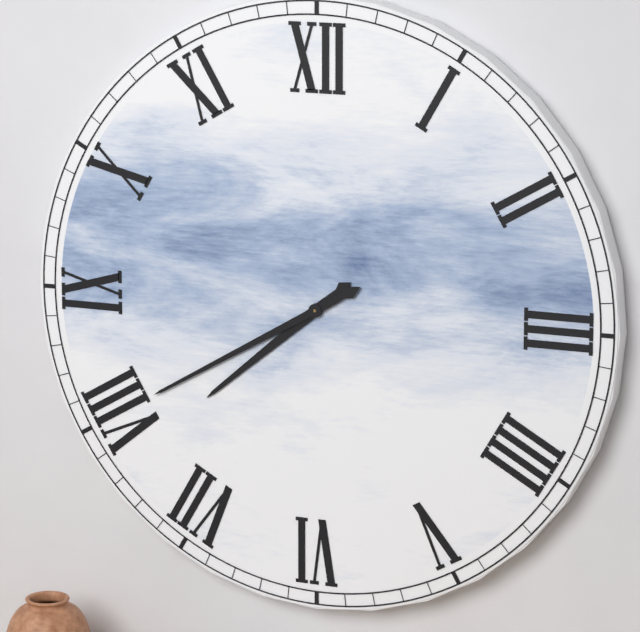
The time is {"hour": 7, "minute": 40}
